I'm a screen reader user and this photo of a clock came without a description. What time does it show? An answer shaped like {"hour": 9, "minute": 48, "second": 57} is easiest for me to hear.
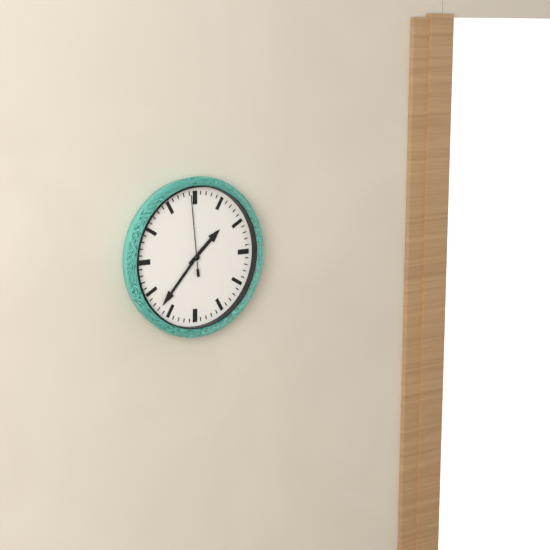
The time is {"hour": 1, "minute": 37, "second": 59}
